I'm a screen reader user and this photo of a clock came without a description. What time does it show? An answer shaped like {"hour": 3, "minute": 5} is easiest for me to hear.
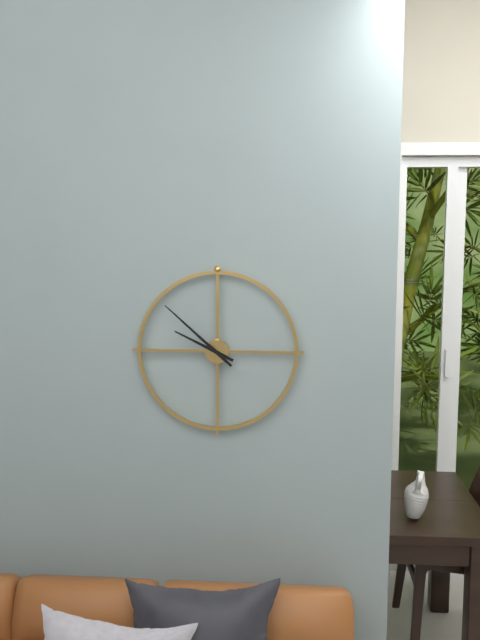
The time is {"hour": 9, "minute": 52}
